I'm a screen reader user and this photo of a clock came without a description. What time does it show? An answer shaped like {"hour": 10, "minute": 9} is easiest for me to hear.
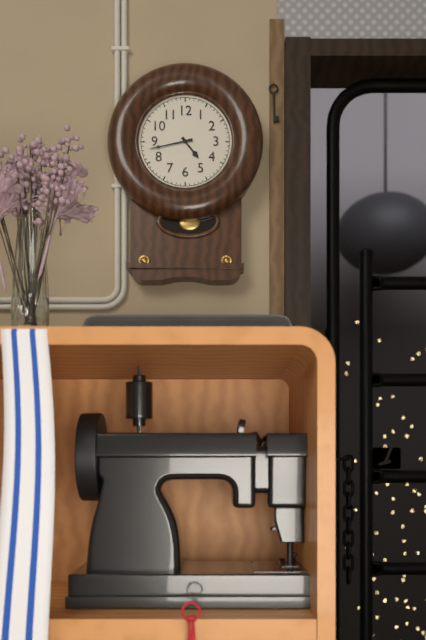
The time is {"hour": 4, "minute": 43}
